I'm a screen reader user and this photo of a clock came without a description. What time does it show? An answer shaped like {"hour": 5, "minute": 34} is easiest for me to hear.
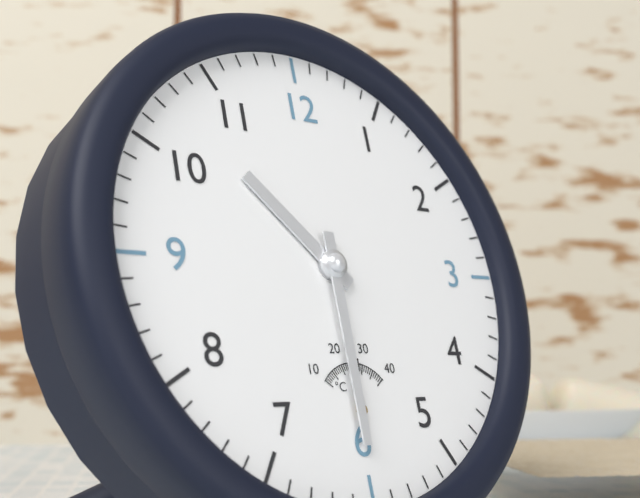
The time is {"hour": 10, "minute": 30}
